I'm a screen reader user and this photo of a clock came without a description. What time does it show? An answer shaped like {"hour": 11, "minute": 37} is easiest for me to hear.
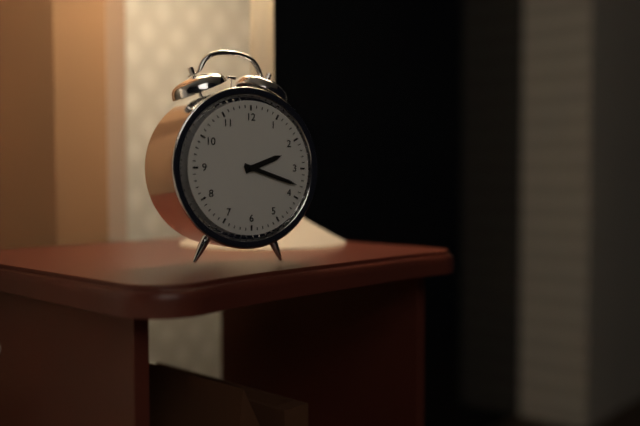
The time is {"hour": 2, "minute": 18}
